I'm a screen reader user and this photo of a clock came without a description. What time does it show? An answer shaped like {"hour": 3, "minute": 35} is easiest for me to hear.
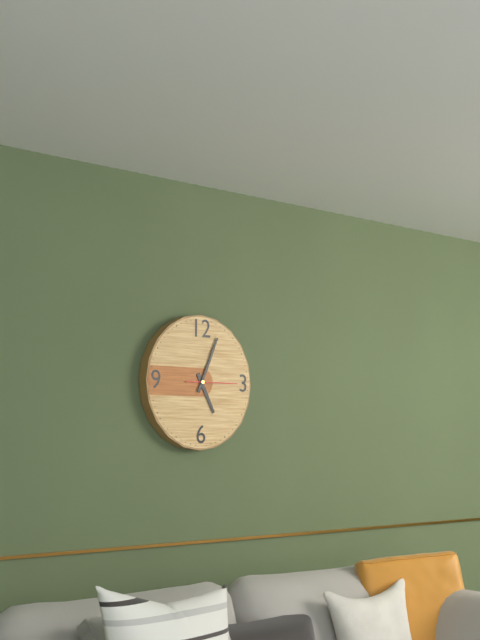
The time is {"hour": 5, "minute": 4}
